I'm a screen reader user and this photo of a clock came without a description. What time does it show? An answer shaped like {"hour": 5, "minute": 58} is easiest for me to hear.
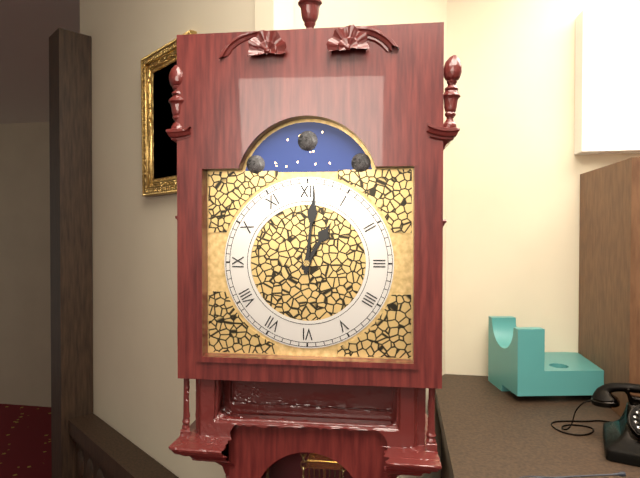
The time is {"hour": 1, "minute": 1}
